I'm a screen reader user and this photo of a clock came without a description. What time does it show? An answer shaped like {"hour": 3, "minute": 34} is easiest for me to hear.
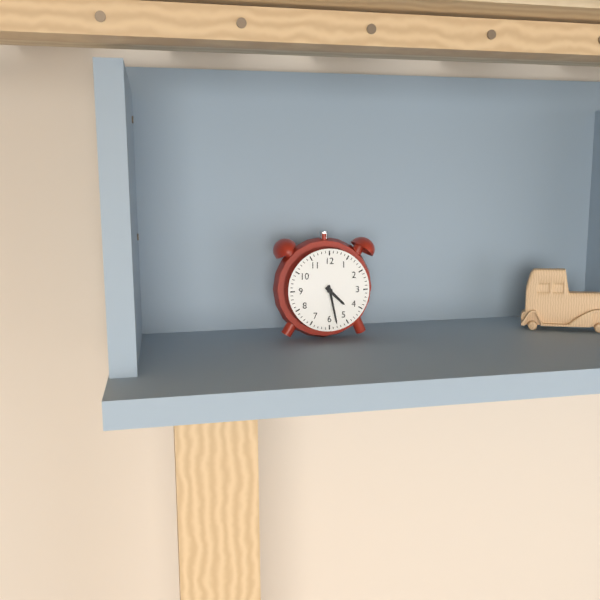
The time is {"hour": 4, "minute": 28}
